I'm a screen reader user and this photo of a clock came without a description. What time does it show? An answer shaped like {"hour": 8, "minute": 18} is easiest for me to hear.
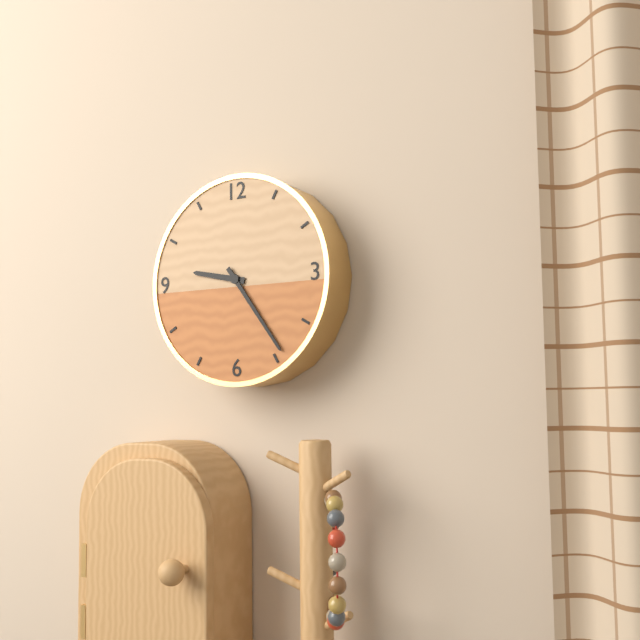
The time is {"hour": 9, "minute": 24}
